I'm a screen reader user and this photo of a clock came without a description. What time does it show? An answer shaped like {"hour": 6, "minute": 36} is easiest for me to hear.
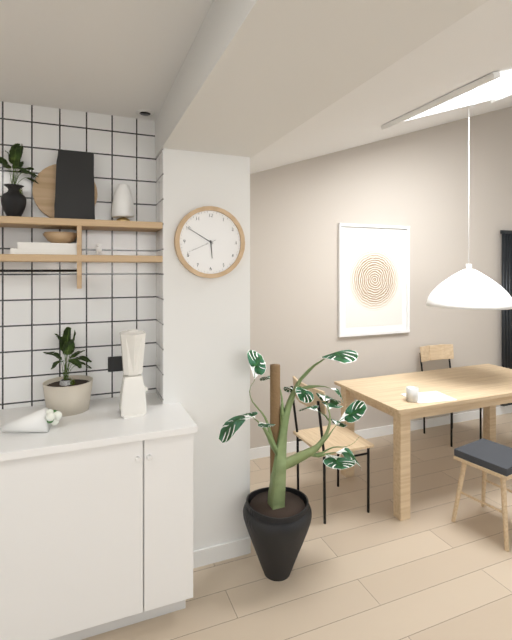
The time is {"hour": 5, "minute": 50}
